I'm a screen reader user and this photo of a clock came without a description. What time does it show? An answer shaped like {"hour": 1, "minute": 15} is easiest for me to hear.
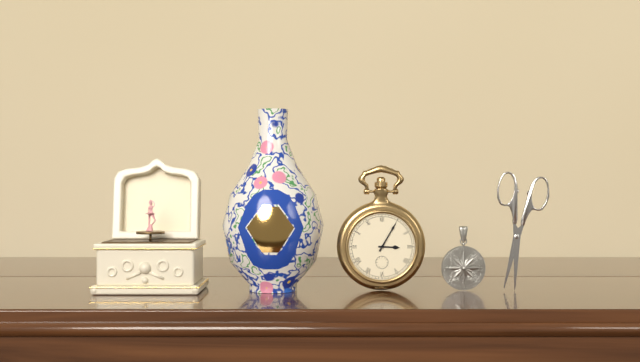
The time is {"hour": 3, "minute": 5}
